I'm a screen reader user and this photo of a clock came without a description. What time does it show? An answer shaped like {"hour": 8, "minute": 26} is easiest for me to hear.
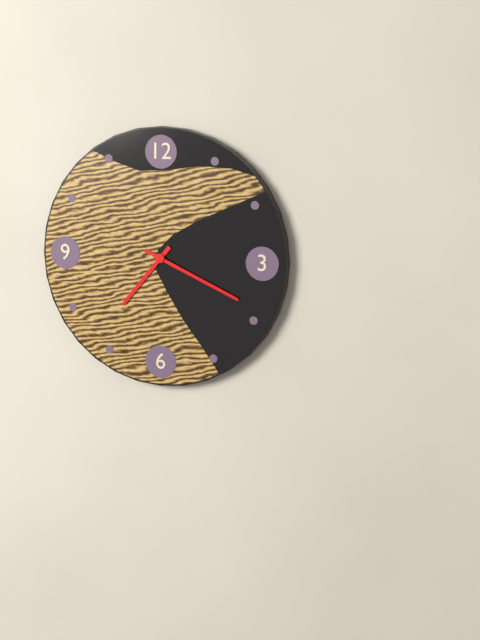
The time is {"hour": 7, "minute": 19}
